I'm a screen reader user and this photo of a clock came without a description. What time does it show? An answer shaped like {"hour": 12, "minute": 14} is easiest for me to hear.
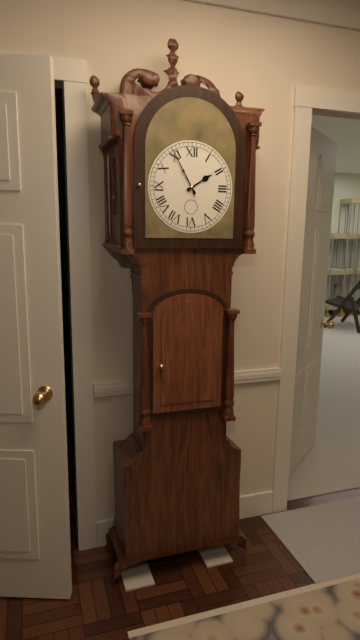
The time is {"hour": 1, "minute": 55}
